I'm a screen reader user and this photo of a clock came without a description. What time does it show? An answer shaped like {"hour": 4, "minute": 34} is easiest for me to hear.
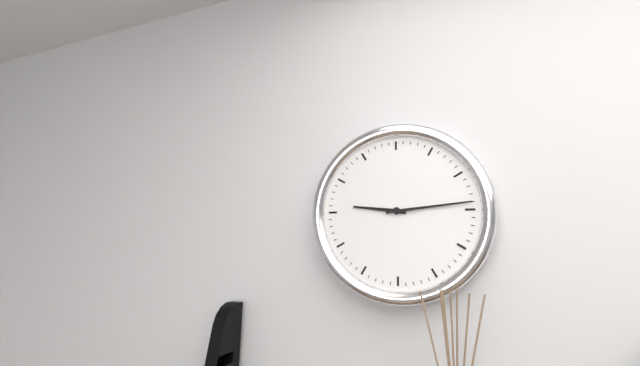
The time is {"hour": 9, "minute": 14}
